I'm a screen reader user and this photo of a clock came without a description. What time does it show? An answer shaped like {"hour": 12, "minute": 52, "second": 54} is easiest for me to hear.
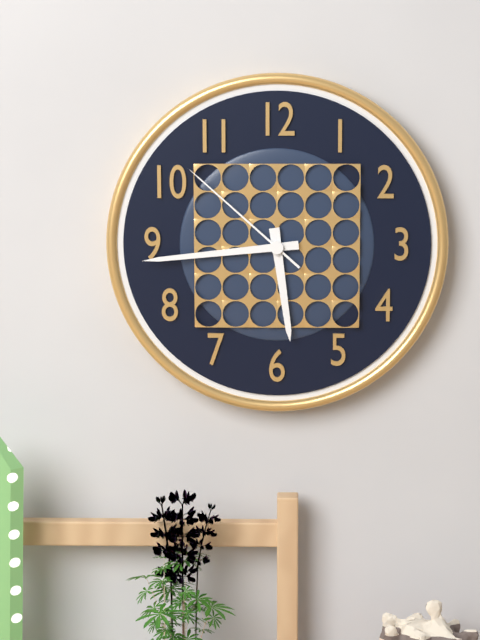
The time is {"hour": 5, "minute": 44, "second": 52}
